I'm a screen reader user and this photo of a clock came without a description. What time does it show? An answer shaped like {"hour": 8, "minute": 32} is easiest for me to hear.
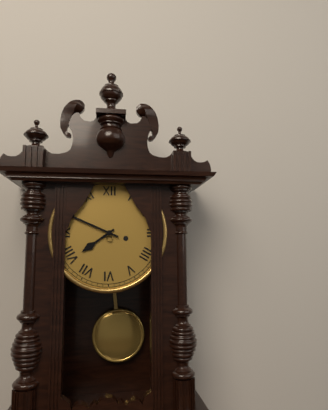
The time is {"hour": 7, "minute": 49}
